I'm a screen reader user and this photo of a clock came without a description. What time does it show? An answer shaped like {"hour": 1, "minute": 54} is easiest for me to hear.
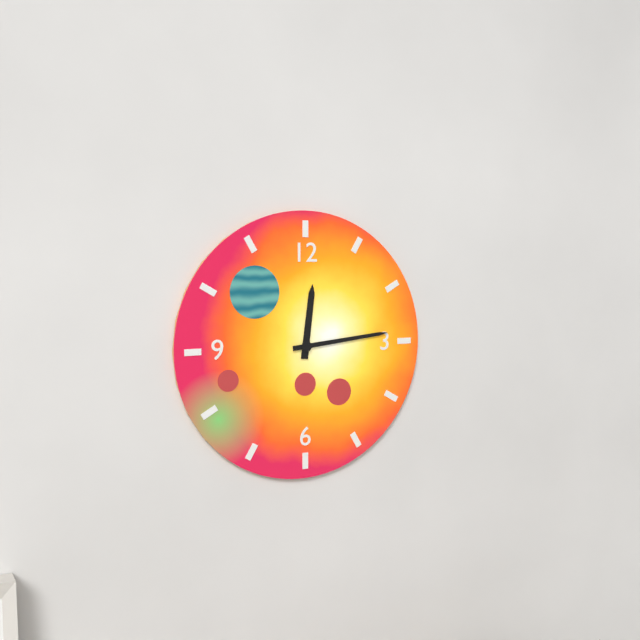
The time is {"hour": 12, "minute": 14}
